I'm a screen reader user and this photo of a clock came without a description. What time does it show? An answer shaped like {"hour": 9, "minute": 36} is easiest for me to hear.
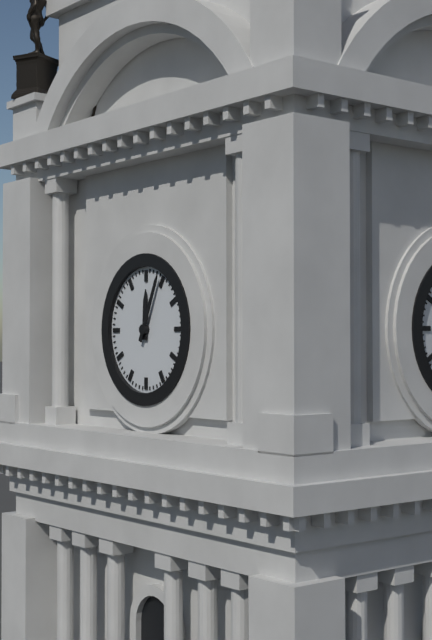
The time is {"hour": 12, "minute": 4}
